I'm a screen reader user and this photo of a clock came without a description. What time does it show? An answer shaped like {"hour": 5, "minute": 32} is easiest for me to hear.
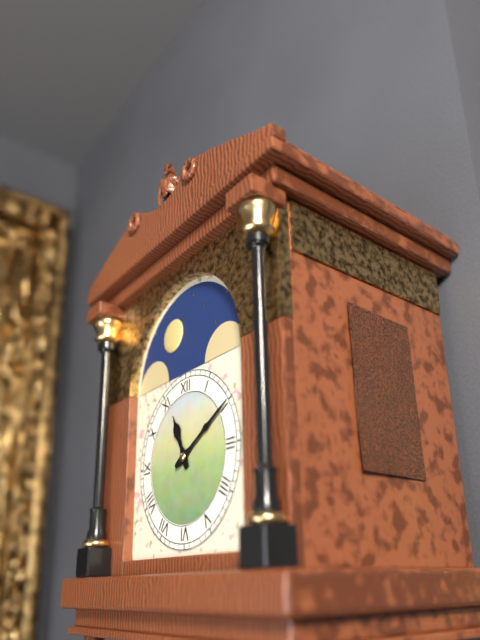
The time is {"hour": 11, "minute": 10}
